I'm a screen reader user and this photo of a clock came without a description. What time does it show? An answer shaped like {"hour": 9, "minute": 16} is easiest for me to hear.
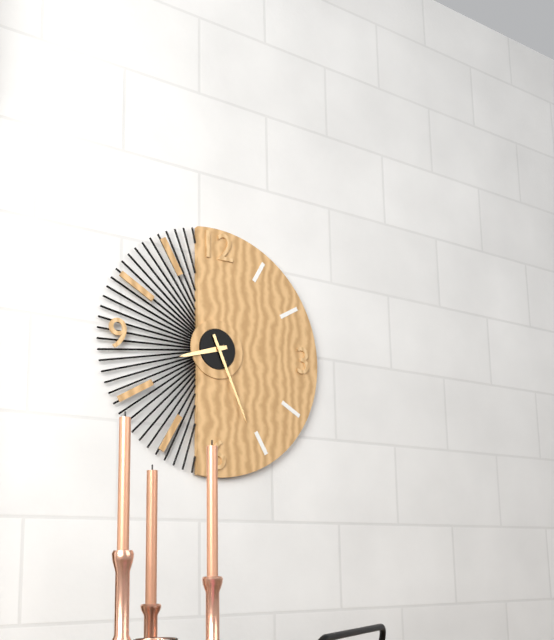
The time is {"hour": 8, "minute": 26}
